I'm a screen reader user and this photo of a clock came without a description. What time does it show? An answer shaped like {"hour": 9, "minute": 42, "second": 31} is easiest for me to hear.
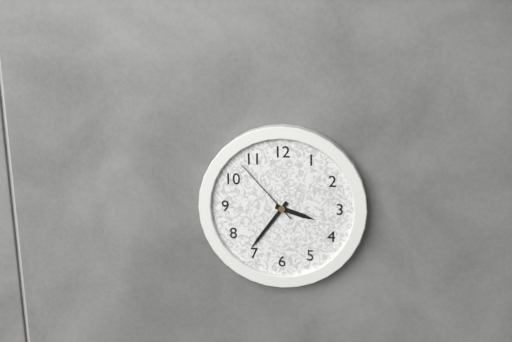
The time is {"hour": 3, "minute": 36, "second": 53}
